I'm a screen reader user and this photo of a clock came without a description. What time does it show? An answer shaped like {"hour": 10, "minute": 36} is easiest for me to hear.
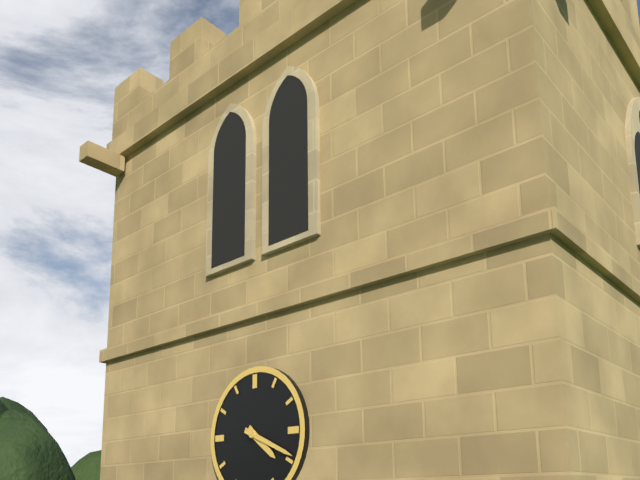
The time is {"hour": 4, "minute": 19}
